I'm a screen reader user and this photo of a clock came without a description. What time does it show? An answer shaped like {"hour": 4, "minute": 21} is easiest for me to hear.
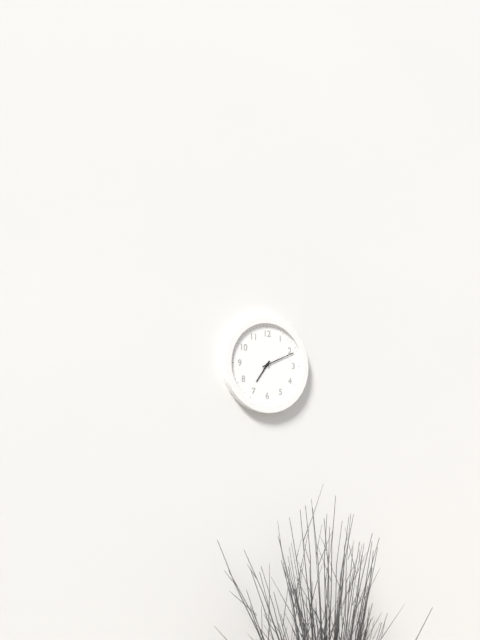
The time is {"hour": 7, "minute": 11}
